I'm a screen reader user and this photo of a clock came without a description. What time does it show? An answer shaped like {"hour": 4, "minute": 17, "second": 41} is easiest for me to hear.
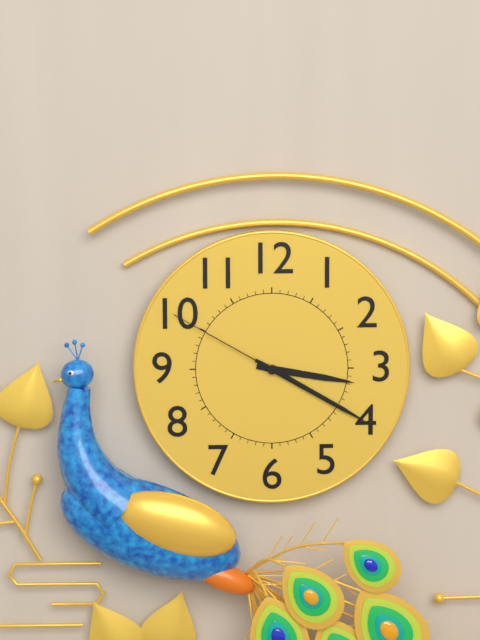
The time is {"hour": 3, "minute": 20, "second": 50}
